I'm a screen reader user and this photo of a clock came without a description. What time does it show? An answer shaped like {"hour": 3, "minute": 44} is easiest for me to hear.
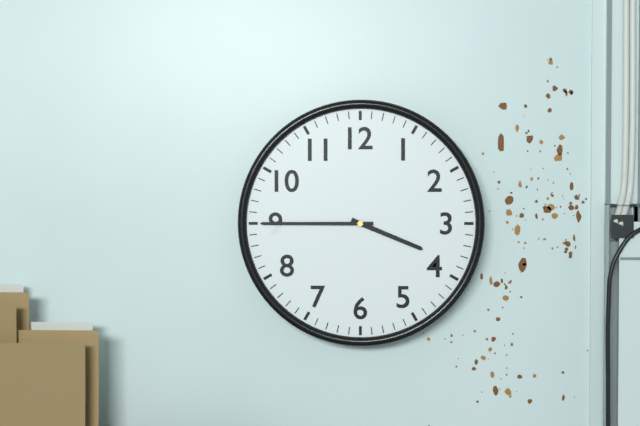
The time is {"hour": 3, "minute": 45}
